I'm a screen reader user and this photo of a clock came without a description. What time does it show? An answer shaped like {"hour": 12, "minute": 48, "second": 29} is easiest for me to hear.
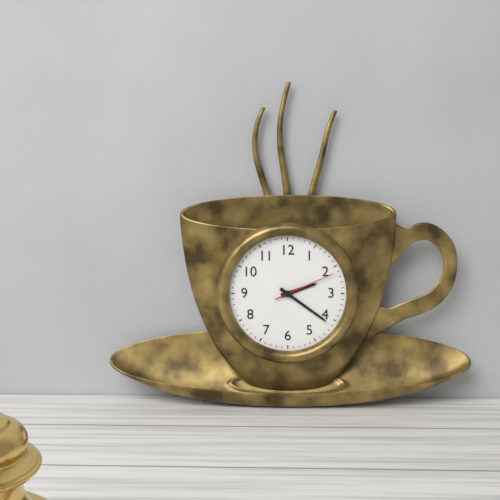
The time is {"hour": 2, "minute": 21, "second": 11}
